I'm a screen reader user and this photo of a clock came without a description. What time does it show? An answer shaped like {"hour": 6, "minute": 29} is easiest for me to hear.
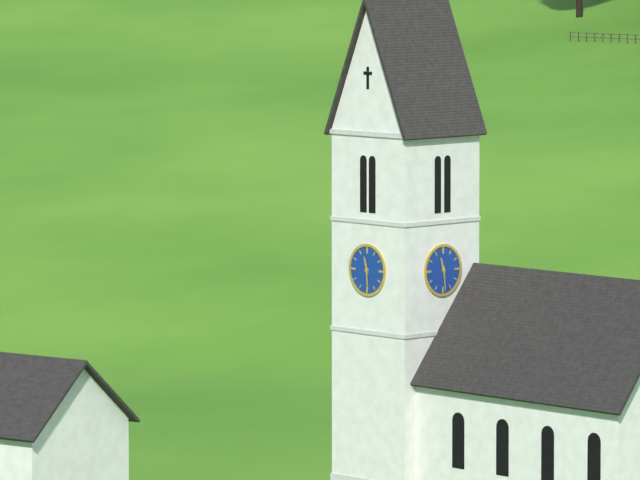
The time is {"hour": 11, "minute": 29}
